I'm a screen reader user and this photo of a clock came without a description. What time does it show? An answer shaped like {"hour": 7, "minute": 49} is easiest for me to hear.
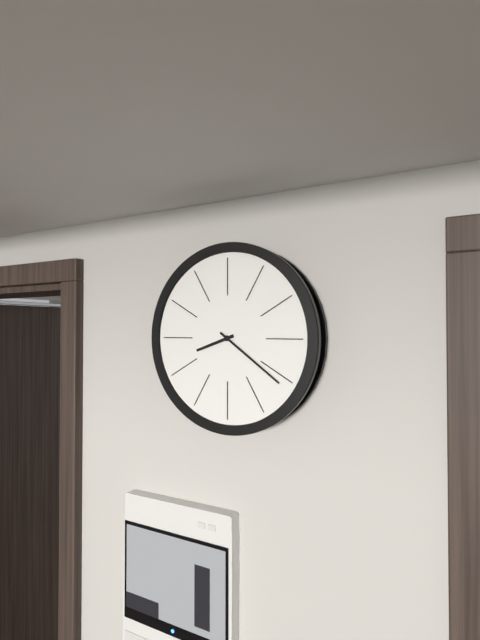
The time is {"hour": 8, "minute": 21}
